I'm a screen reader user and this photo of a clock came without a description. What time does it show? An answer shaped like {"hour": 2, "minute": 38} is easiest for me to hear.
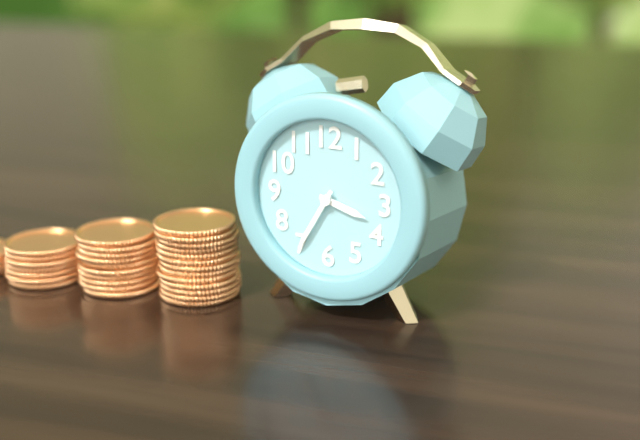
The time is {"hour": 3, "minute": 35}
